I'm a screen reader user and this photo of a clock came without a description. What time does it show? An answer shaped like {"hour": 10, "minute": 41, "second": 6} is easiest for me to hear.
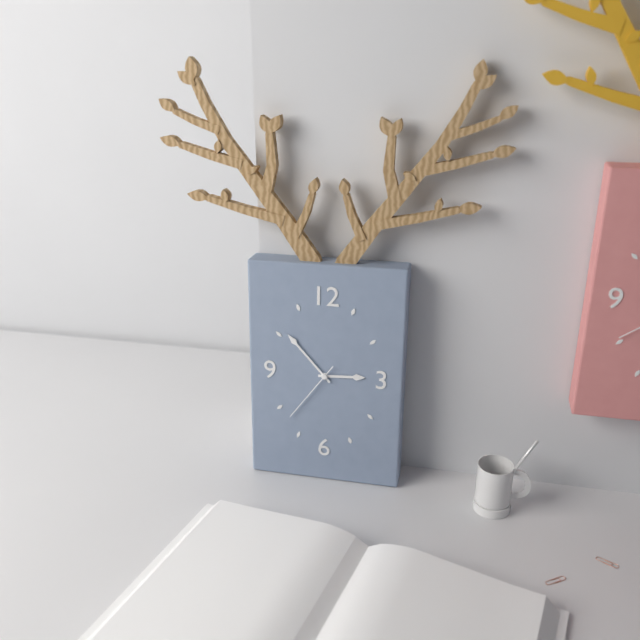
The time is {"hour": 2, "minute": 53, "second": 36}
